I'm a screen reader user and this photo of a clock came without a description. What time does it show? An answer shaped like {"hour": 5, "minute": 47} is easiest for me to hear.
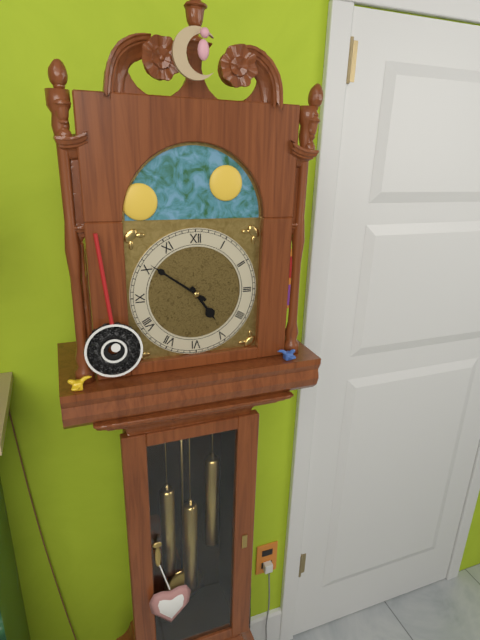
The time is {"hour": 4, "minute": 51}
